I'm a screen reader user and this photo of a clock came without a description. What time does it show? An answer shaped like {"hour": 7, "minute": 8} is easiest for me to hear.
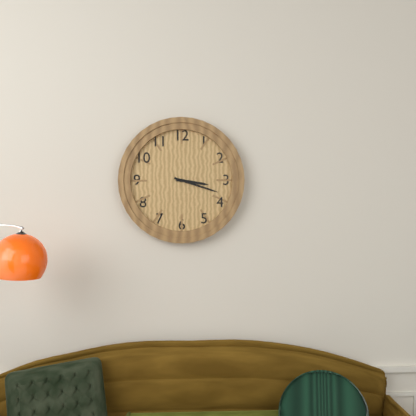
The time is {"hour": 3, "minute": 18}
